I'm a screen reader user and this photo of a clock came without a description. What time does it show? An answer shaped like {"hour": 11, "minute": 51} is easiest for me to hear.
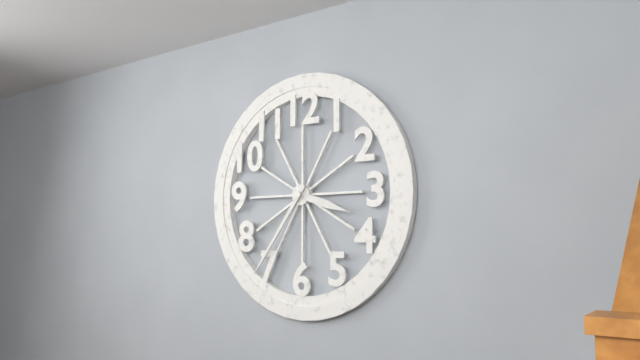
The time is {"hour": 3, "minute": 36}
